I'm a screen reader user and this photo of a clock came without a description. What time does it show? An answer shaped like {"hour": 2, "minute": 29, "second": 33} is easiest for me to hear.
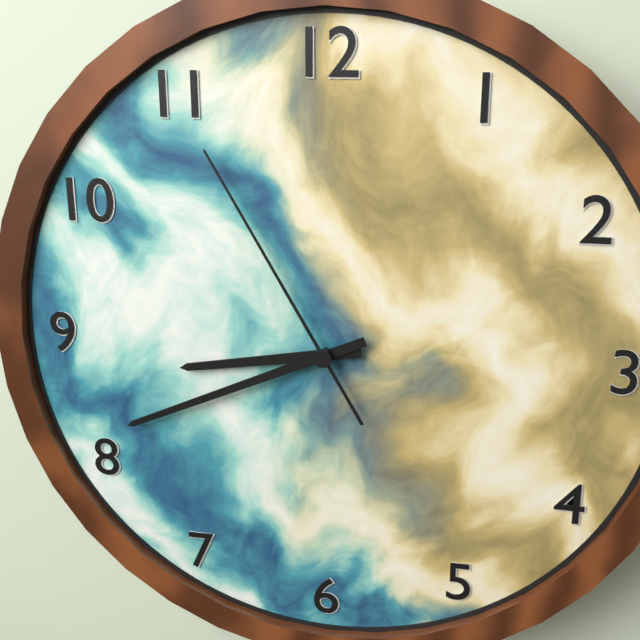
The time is {"hour": 8, "minute": 41, "second": 55}
